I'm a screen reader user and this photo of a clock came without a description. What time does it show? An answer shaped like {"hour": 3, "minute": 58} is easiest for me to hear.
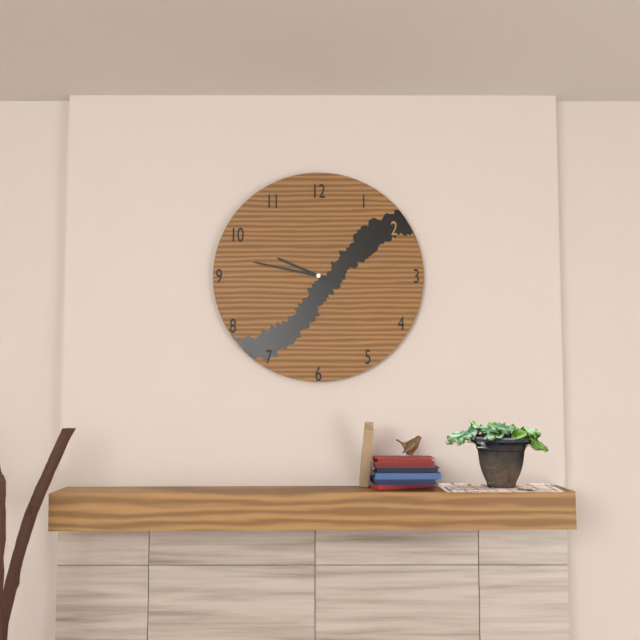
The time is {"hour": 9, "minute": 47}
